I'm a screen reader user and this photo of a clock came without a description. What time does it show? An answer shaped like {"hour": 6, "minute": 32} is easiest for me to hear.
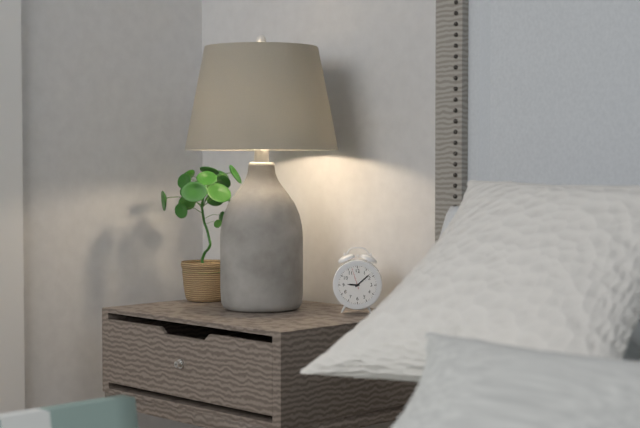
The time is {"hour": 9, "minute": 8}
